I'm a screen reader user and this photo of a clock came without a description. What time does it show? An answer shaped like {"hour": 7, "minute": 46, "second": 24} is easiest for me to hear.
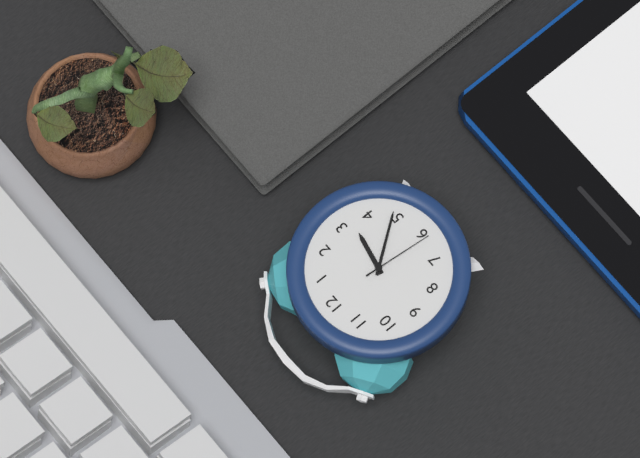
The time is {"hour": 3, "minute": 24, "second": 31}
